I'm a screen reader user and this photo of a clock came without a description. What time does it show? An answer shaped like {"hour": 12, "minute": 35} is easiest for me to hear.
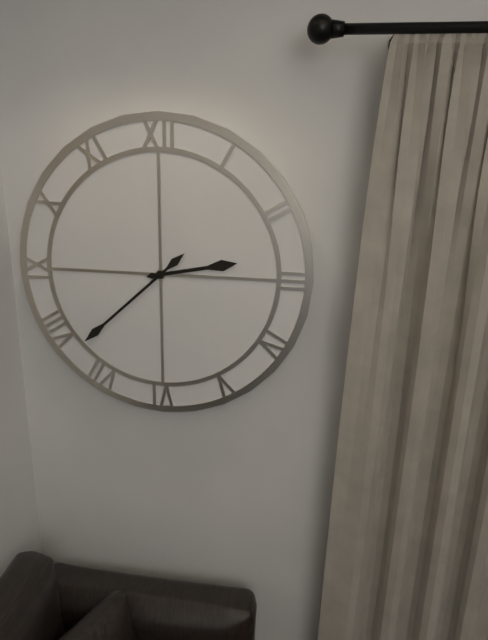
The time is {"hour": 2, "minute": 38}
